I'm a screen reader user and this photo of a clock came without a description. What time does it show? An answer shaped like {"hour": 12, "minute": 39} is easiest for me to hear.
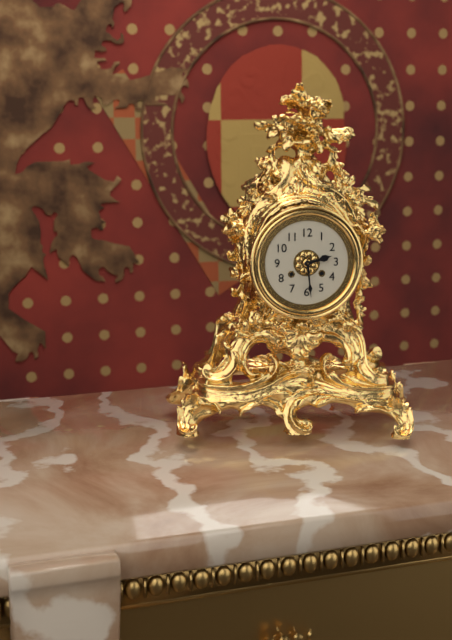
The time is {"hour": 2, "minute": 29}
